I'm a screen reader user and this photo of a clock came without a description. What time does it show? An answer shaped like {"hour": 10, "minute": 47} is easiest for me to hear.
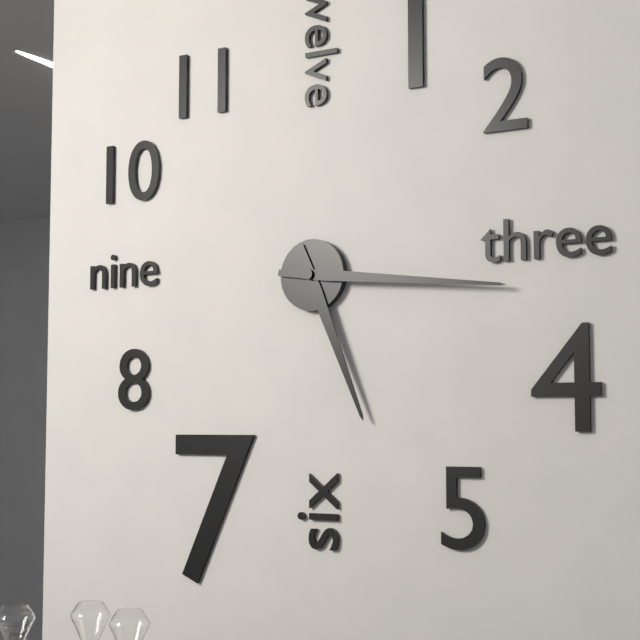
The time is {"hour": 5, "minute": 16}
